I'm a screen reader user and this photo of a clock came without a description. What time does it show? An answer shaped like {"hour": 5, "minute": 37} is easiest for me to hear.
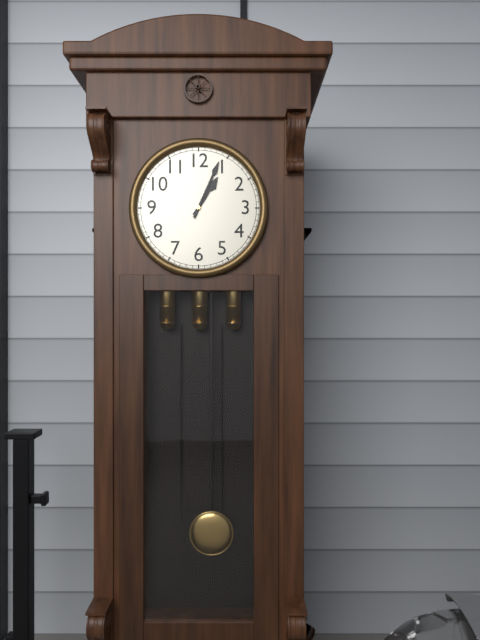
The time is {"hour": 1, "minute": 4}
